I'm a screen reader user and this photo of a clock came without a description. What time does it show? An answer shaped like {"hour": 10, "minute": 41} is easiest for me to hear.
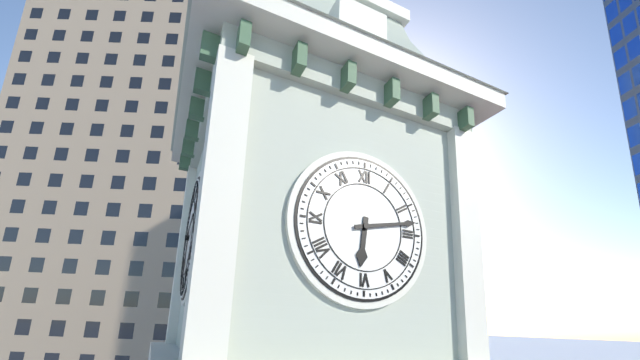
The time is {"hour": 6, "minute": 13}
